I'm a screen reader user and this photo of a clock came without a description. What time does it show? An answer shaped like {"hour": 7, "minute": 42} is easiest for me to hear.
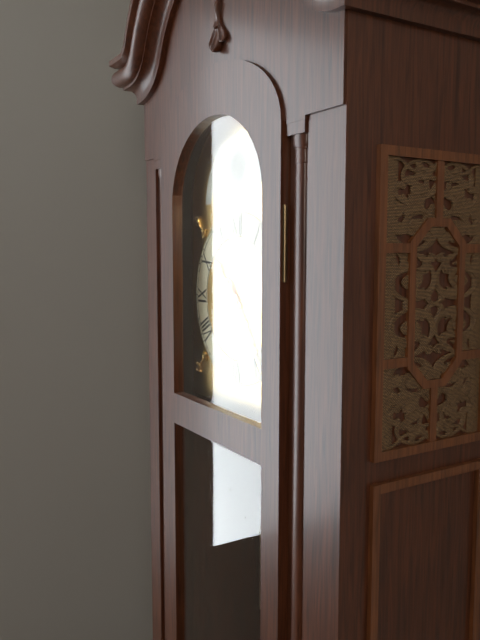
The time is {"hour": 10, "minute": 24}
